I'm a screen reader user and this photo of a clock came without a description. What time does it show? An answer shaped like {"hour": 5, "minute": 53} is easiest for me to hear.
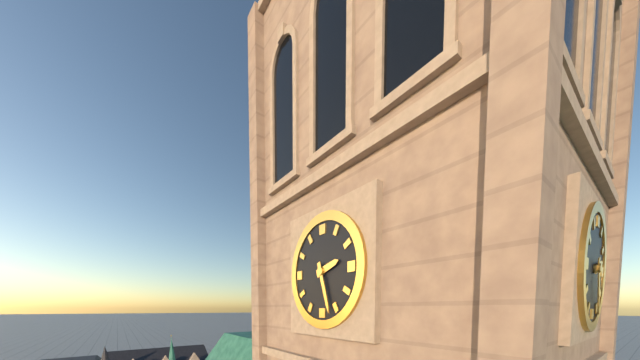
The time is {"hour": 2, "minute": 27}
